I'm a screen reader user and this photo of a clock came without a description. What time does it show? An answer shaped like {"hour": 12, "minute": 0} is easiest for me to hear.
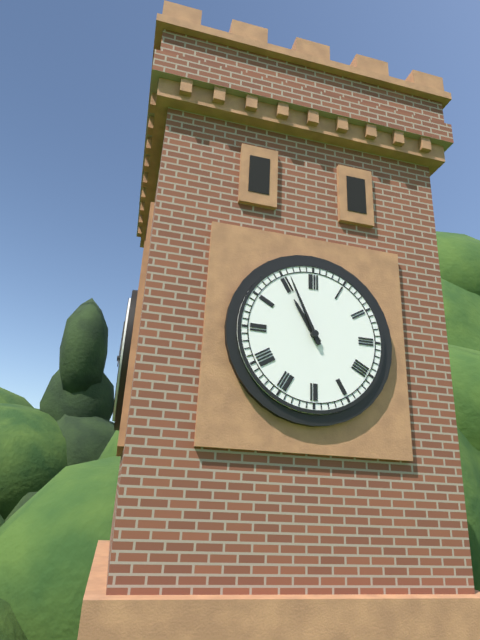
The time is {"hour": 10, "minute": 56}
